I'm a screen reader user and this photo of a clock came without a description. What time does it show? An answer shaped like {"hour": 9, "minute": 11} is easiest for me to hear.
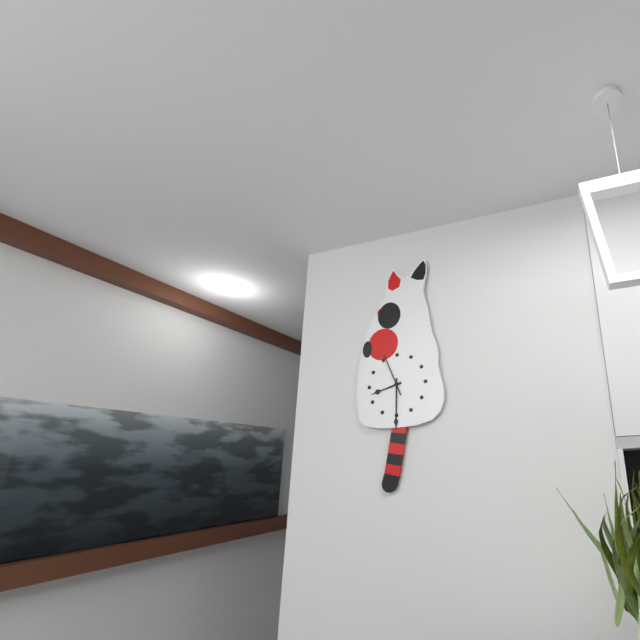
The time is {"hour": 8, "minute": 30}
